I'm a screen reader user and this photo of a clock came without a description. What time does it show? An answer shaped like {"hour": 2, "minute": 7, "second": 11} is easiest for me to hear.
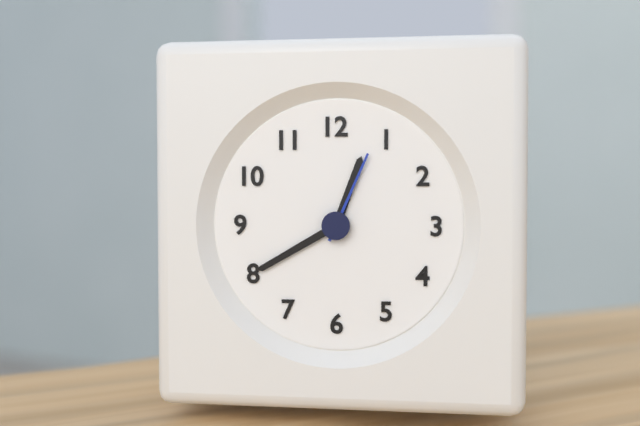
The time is {"hour": 12, "minute": 40, "second": 4}
